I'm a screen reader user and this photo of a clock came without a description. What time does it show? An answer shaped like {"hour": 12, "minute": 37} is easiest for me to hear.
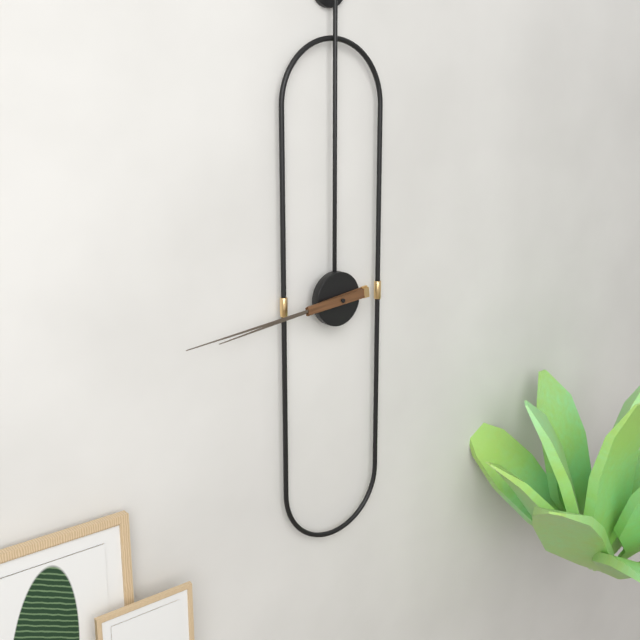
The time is {"hour": 8, "minute": 44}
